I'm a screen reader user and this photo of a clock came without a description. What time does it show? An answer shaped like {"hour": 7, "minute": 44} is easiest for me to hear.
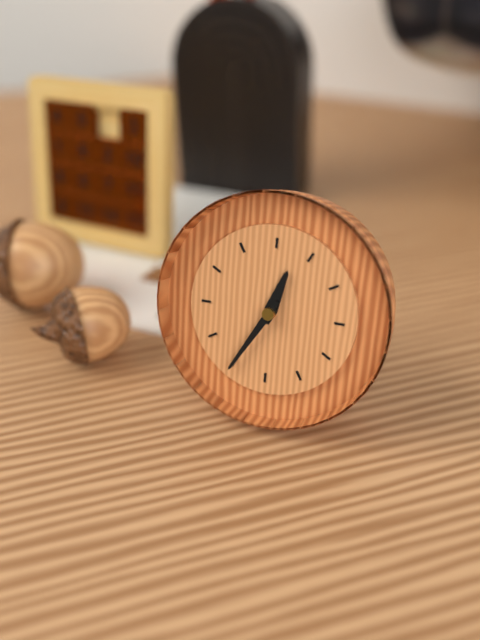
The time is {"hour": 12, "minute": 35}
